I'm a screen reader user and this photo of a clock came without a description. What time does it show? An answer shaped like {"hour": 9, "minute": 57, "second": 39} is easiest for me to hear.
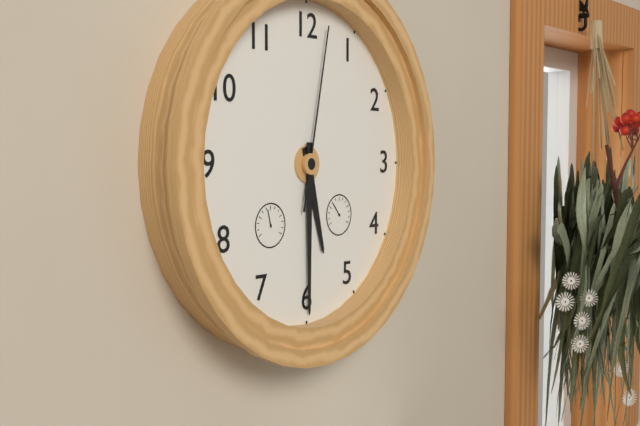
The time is {"hour": 5, "minute": 30, "second": 2}
